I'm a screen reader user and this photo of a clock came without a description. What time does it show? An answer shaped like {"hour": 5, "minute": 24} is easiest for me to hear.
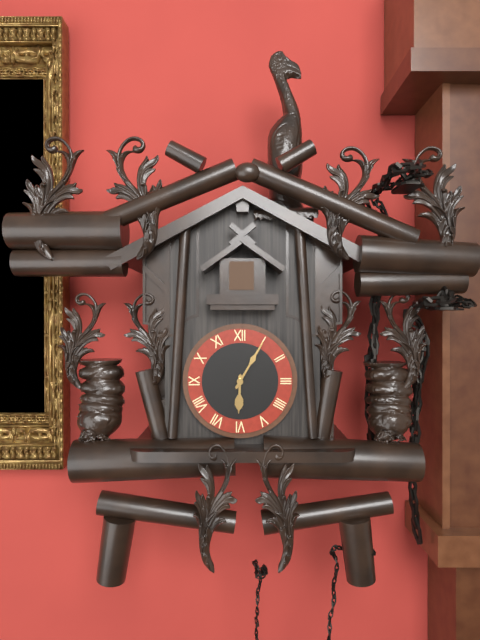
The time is {"hour": 6, "minute": 5}
